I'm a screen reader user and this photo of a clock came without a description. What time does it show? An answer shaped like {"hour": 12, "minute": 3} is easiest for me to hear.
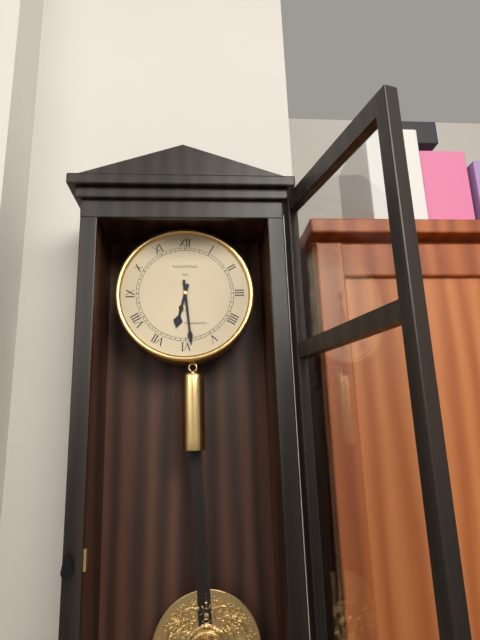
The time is {"hour": 6, "minute": 29}
